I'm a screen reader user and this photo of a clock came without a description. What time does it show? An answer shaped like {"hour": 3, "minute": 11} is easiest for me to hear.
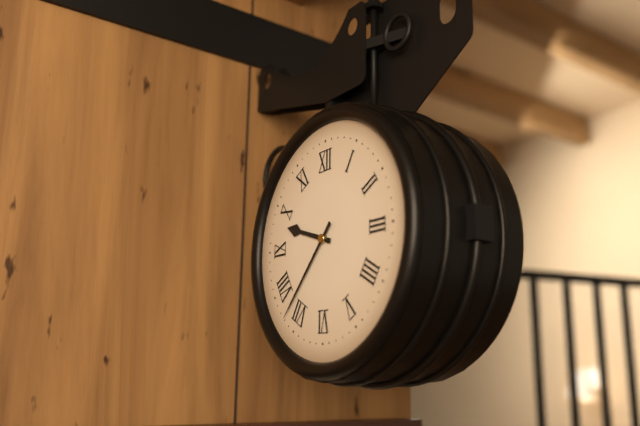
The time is {"hour": 9, "minute": 37}
